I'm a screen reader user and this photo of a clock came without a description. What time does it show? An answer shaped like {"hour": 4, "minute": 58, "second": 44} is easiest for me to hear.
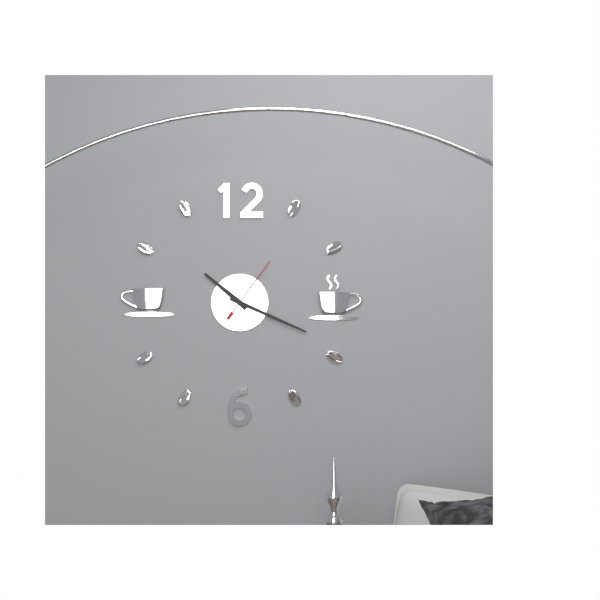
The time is {"hour": 10, "minute": 19, "second": 6}
